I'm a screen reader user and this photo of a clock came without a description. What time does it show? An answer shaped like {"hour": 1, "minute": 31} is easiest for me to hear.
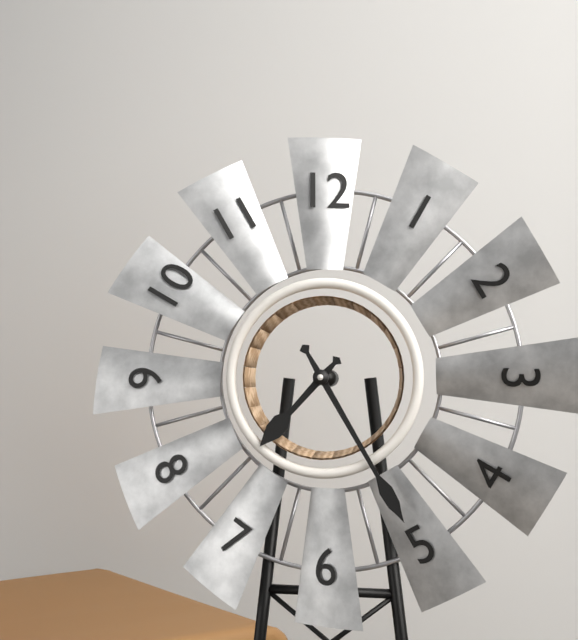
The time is {"hour": 7, "minute": 25}
